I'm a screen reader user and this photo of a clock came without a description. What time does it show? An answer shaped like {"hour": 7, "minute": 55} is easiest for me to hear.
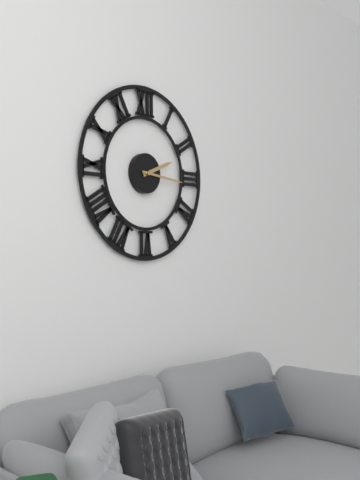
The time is {"hour": 2, "minute": 16}
